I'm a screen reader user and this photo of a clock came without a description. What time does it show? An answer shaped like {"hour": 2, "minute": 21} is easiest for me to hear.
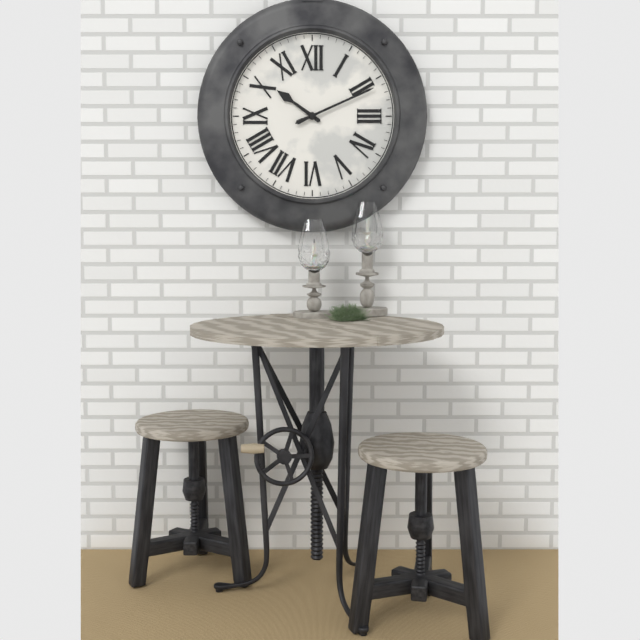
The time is {"hour": 10, "minute": 11}
